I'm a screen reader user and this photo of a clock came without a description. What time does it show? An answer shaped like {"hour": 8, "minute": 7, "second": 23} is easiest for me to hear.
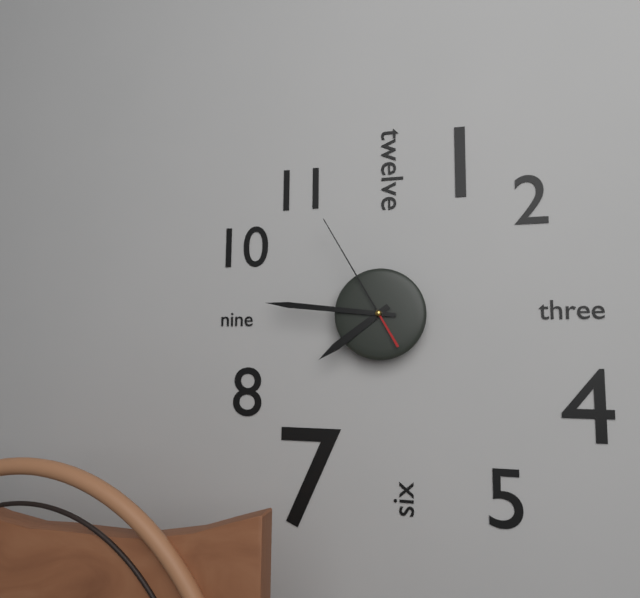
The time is {"hour": 7, "minute": 46, "second": 55}
